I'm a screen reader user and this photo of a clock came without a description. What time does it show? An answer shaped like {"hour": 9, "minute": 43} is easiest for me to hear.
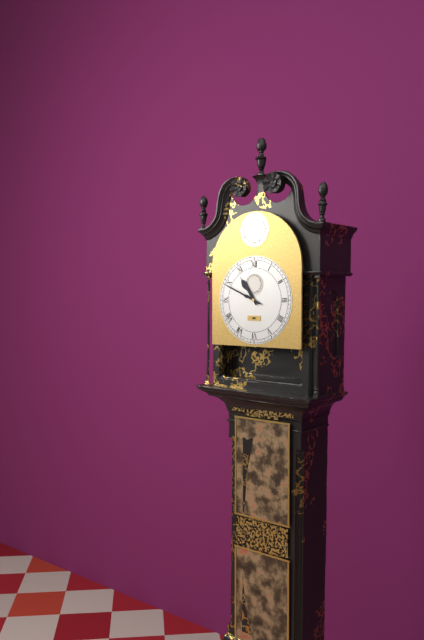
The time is {"hour": 10, "minute": 49}
